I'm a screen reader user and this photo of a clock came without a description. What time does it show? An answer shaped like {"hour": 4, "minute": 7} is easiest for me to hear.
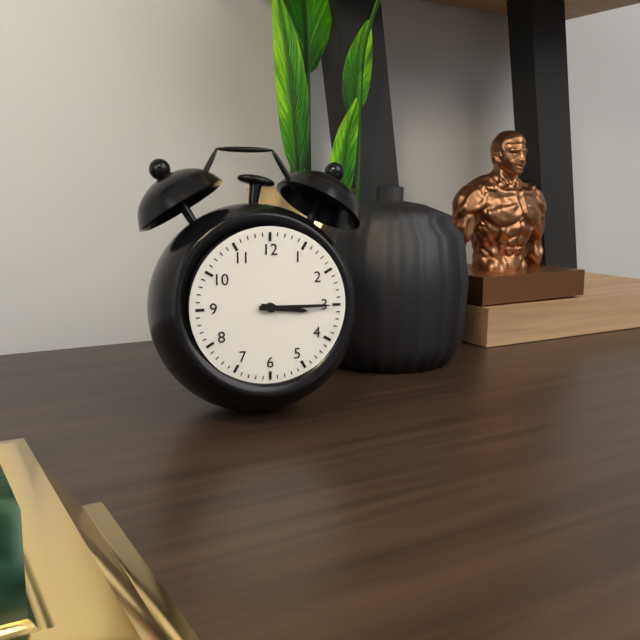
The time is {"hour": 3, "minute": 15}
